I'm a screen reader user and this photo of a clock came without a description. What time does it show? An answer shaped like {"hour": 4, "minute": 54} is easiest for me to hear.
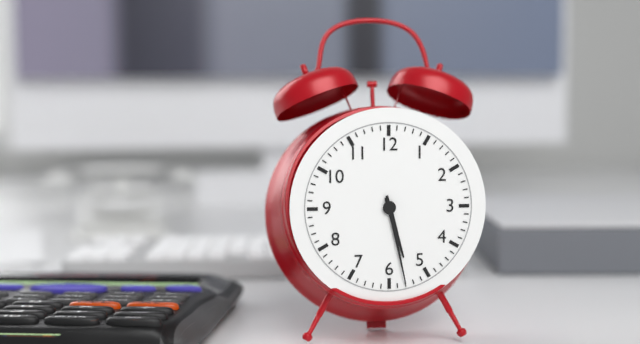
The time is {"hour": 5, "minute": 28}
